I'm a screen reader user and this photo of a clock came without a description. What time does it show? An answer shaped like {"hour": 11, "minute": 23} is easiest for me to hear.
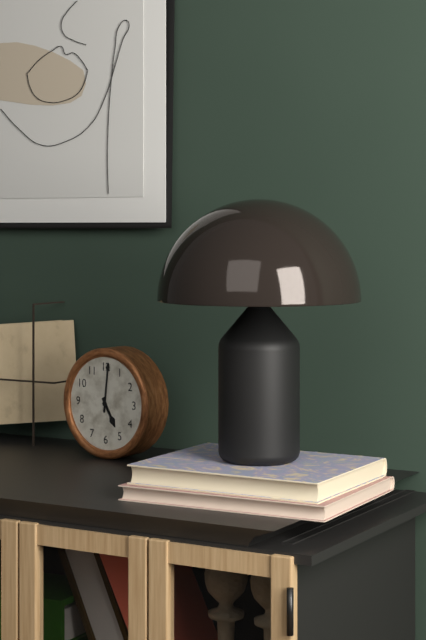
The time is {"hour": 5, "minute": 1}
